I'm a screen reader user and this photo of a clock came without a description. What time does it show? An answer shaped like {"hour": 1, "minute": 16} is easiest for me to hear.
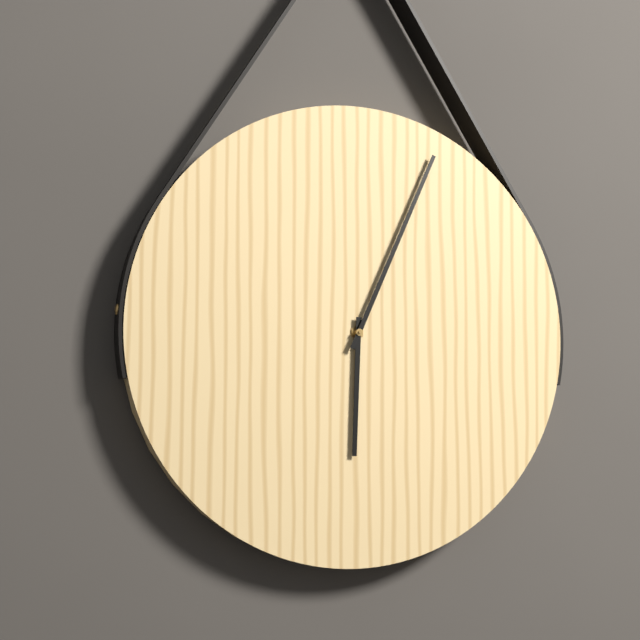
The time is {"hour": 6, "minute": 4}
